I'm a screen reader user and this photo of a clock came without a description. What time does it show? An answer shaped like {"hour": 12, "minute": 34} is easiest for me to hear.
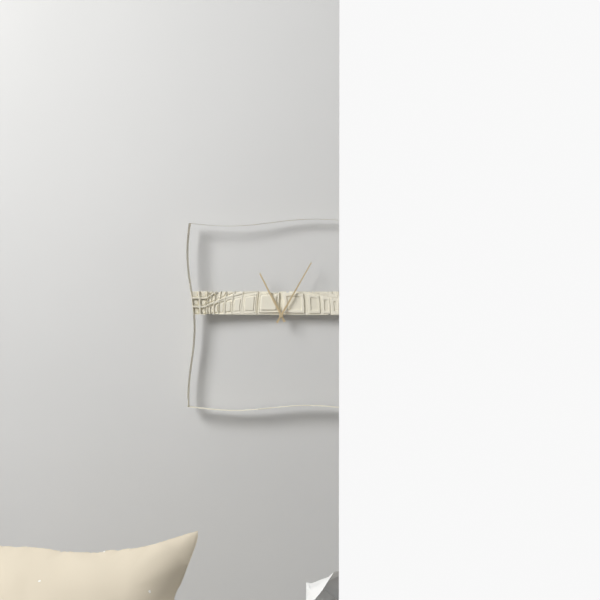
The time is {"hour": 11, "minute": 5}
